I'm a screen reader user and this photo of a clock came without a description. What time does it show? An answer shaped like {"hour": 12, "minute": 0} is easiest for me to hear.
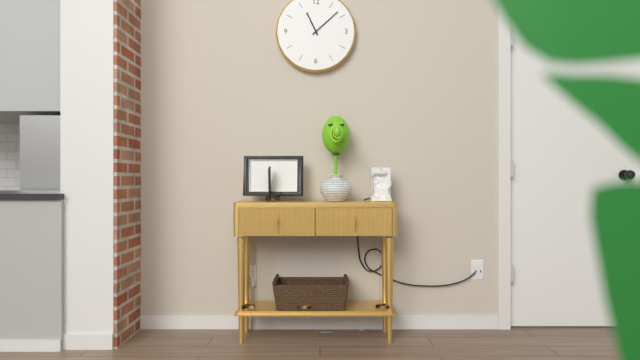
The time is {"hour": 11, "minute": 8}
